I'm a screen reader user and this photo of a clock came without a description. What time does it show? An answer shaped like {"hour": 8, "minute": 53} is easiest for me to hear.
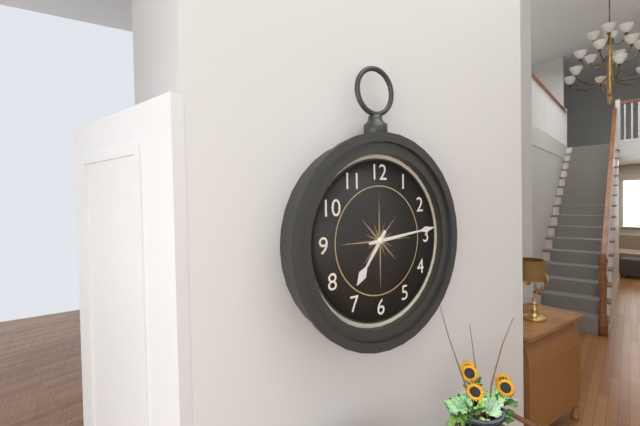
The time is {"hour": 7, "minute": 14}
